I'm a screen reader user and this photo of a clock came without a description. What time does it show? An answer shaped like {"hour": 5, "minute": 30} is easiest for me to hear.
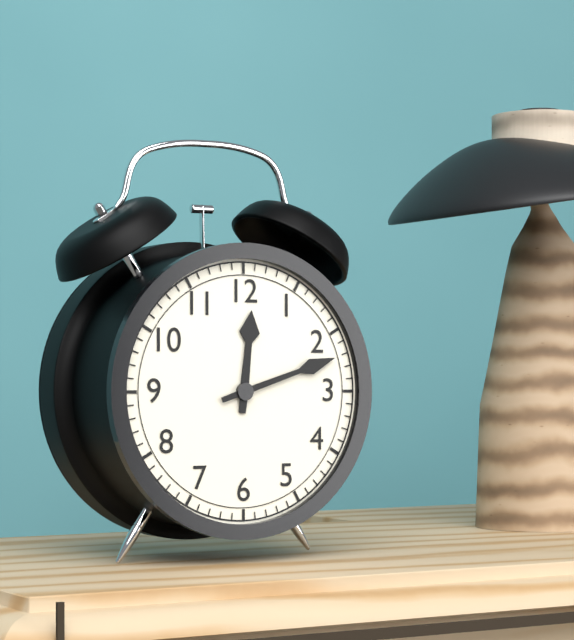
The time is {"hour": 12, "minute": 12}
